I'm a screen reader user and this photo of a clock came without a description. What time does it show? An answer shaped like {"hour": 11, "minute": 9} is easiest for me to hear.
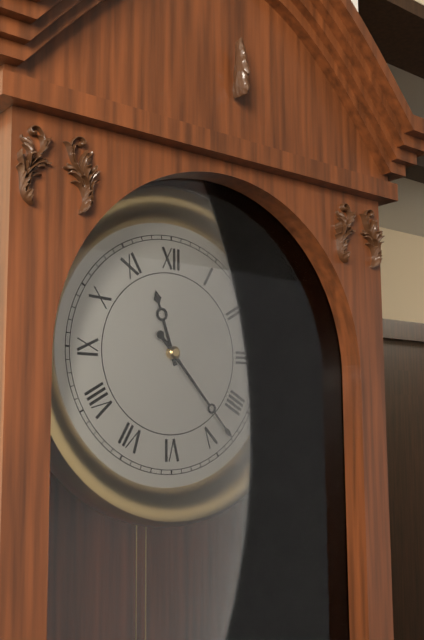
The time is {"hour": 11, "minute": 23}
